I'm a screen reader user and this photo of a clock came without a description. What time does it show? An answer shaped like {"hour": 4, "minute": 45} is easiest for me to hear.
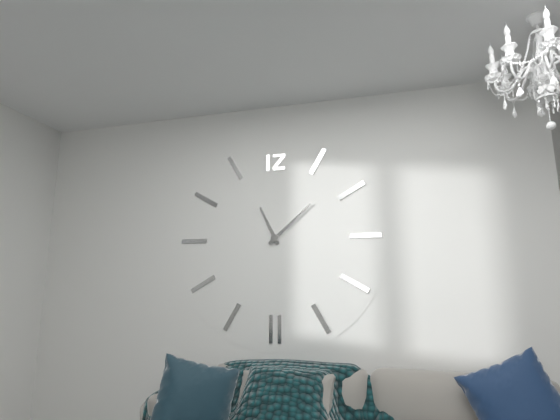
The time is {"hour": 11, "minute": 8}
